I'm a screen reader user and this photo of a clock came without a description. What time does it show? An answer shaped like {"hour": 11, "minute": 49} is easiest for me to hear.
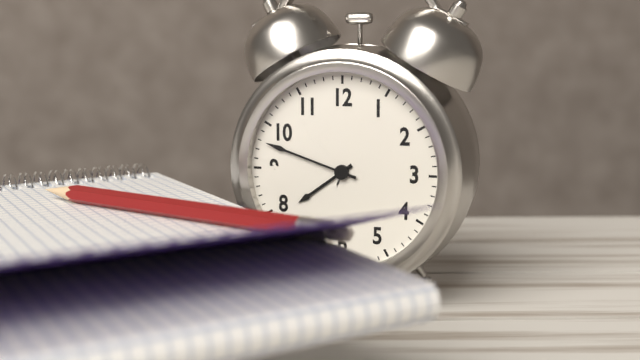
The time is {"hour": 7, "minute": 48}
